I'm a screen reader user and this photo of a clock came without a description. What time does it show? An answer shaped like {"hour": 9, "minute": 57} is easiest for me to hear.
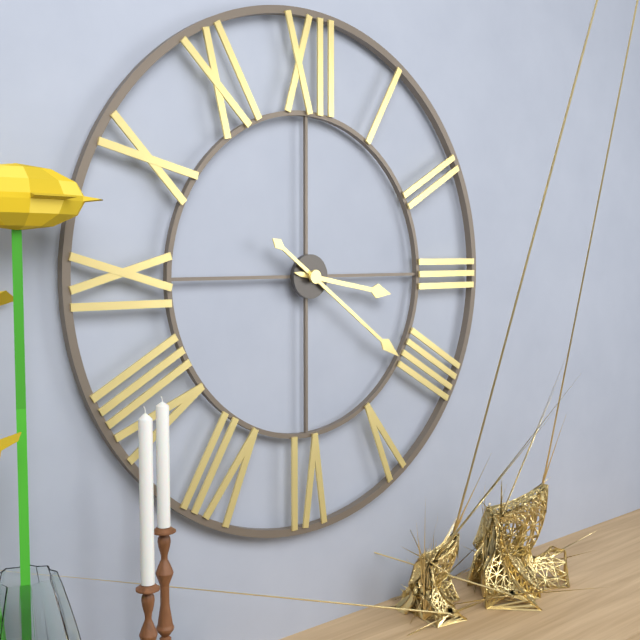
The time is {"hour": 3, "minute": 21}
